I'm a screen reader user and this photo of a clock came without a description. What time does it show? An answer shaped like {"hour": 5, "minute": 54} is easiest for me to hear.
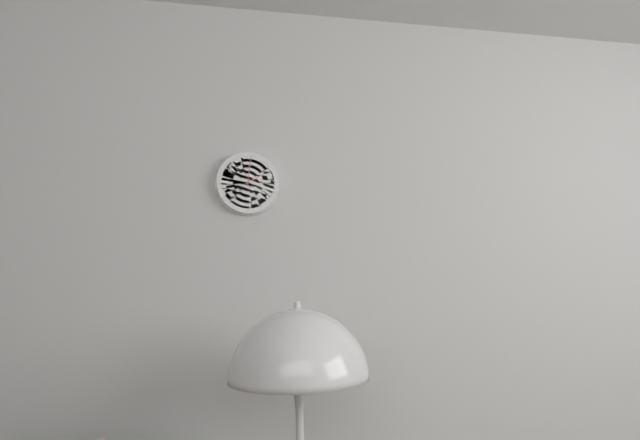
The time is {"hour": 2, "minute": 1}
